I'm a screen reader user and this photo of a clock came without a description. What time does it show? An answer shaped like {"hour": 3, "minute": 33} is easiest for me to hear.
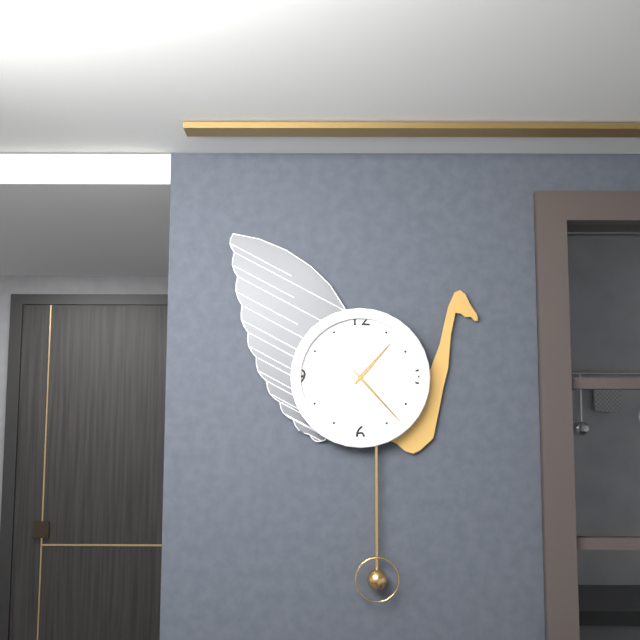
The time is {"hour": 1, "minute": 23}
